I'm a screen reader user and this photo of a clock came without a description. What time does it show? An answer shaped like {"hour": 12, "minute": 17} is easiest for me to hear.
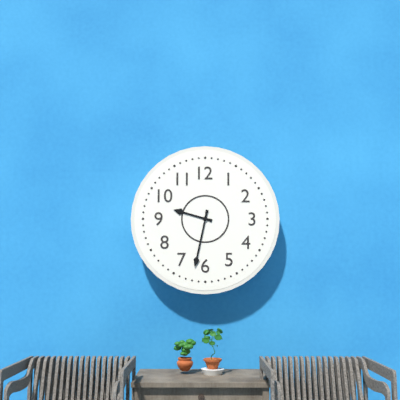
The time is {"hour": 9, "minute": 32}
